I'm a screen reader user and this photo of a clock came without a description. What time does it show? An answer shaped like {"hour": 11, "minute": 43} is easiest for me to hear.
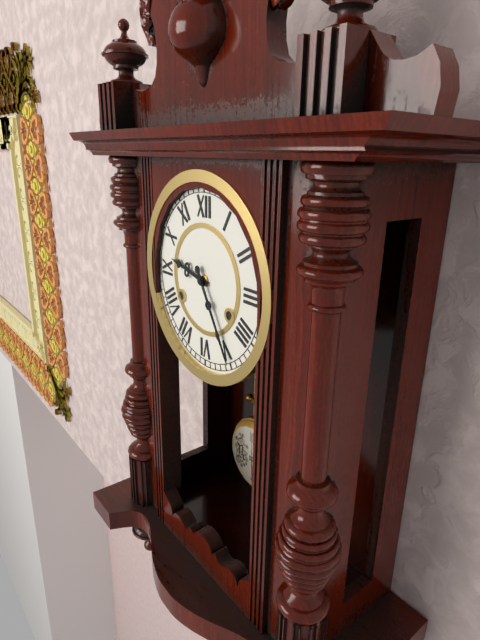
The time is {"hour": 9, "minute": 25}
